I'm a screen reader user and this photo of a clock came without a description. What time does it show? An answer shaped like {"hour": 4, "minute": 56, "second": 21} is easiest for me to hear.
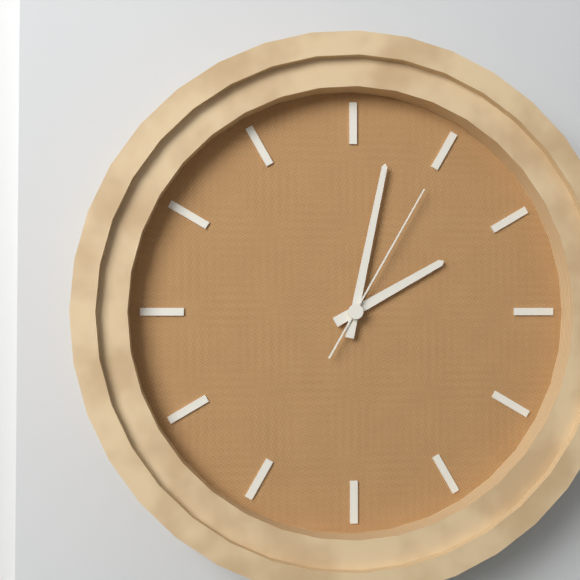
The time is {"hour": 2, "minute": 2, "second": 5}
